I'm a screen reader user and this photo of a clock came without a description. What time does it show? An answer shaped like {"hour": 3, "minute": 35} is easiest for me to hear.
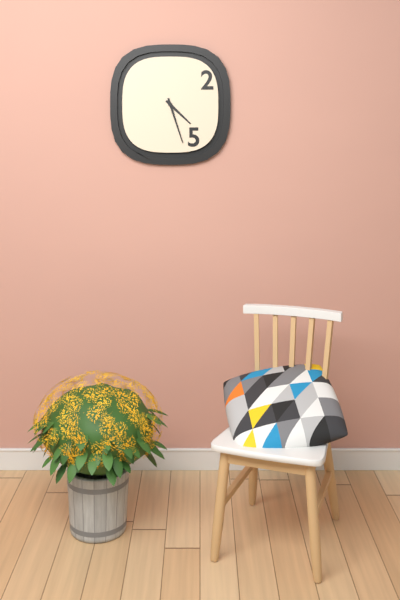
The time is {"hour": 4, "minute": 27}
